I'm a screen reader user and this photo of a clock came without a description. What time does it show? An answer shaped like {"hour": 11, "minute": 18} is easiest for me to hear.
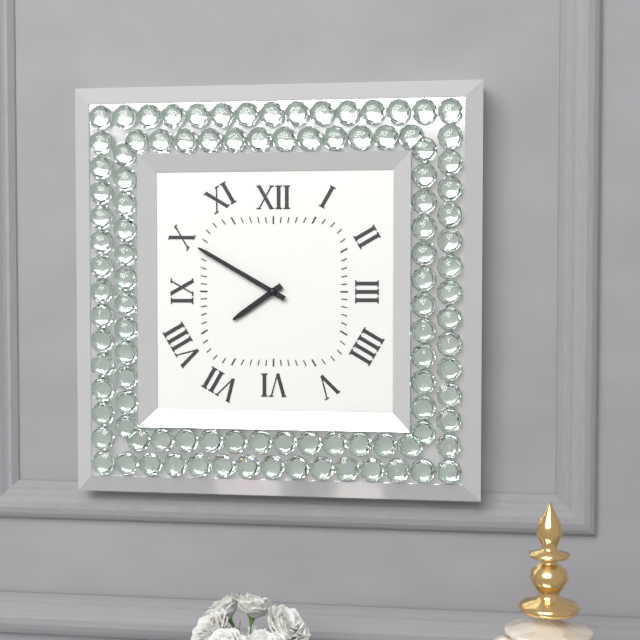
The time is {"hour": 7, "minute": 50}
